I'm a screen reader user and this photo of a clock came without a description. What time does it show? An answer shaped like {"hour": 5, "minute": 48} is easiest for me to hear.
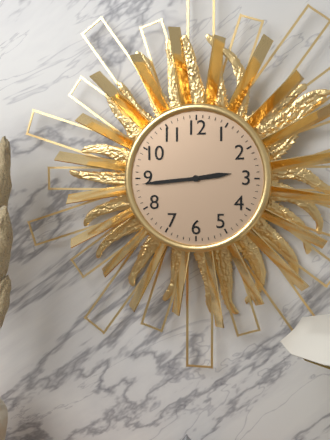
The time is {"hour": 2, "minute": 44}
